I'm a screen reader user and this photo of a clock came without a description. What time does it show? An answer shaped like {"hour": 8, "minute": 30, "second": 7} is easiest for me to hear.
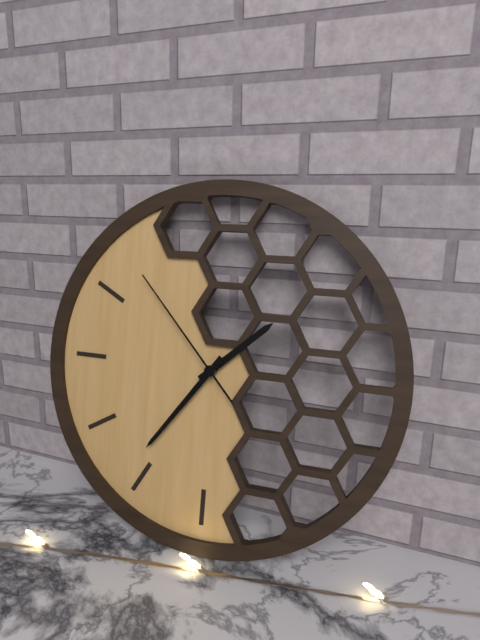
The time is {"hour": 1, "minute": 36, "second": 53}
